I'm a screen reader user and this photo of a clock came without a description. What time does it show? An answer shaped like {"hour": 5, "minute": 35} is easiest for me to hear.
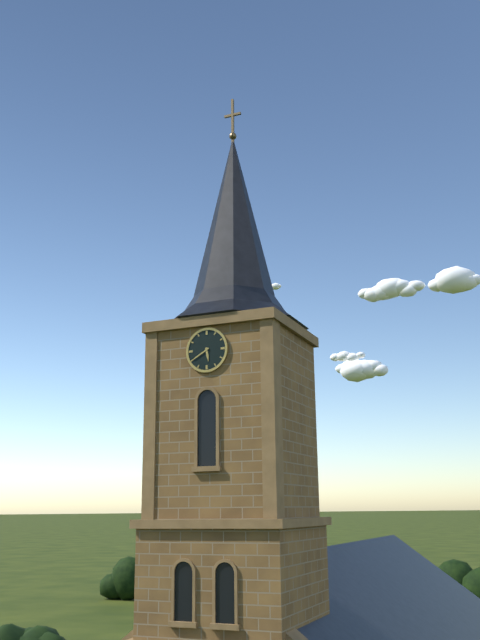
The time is {"hour": 5, "minute": 40}
